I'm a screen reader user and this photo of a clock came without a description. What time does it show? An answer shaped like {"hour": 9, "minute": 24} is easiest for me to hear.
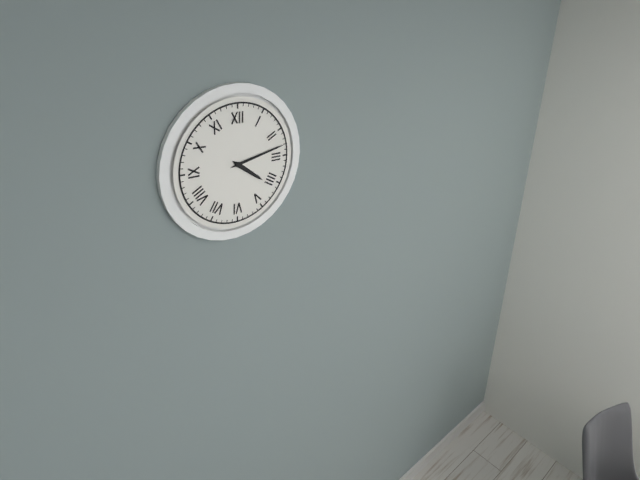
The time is {"hour": 4, "minute": 13}
